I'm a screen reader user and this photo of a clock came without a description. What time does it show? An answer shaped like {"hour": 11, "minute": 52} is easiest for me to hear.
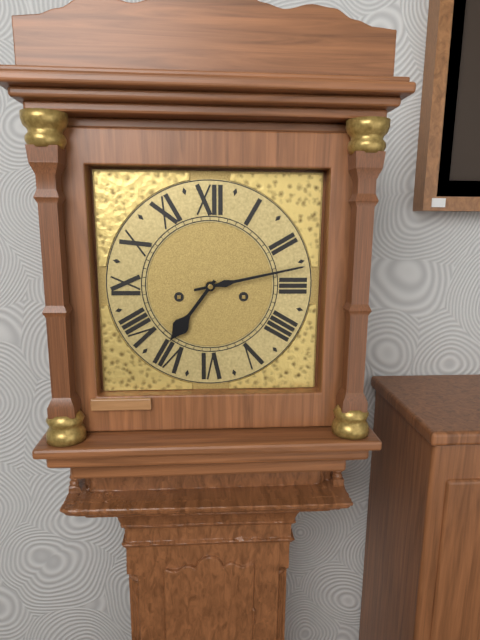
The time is {"hour": 7, "minute": 13}
